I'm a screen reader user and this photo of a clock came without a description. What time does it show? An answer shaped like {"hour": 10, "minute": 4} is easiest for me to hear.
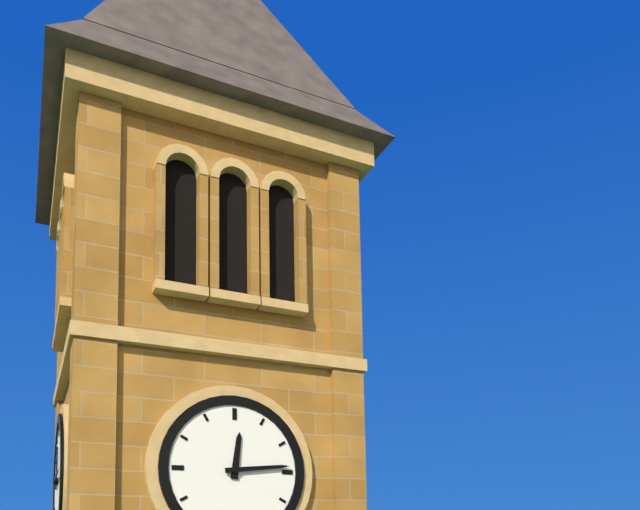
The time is {"hour": 12, "minute": 14}
